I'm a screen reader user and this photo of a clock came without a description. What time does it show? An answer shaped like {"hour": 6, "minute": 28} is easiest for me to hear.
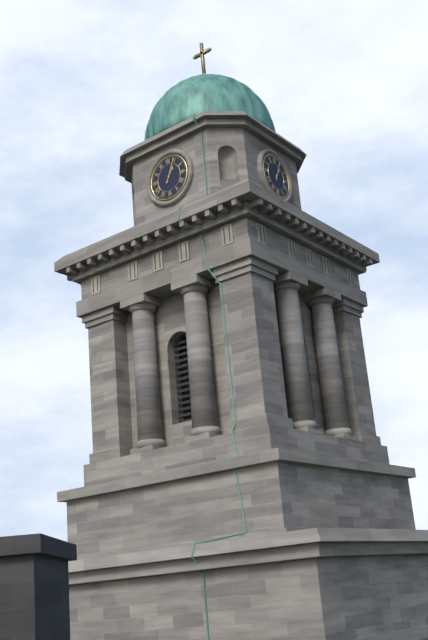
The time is {"hour": 1, "minute": 4}
